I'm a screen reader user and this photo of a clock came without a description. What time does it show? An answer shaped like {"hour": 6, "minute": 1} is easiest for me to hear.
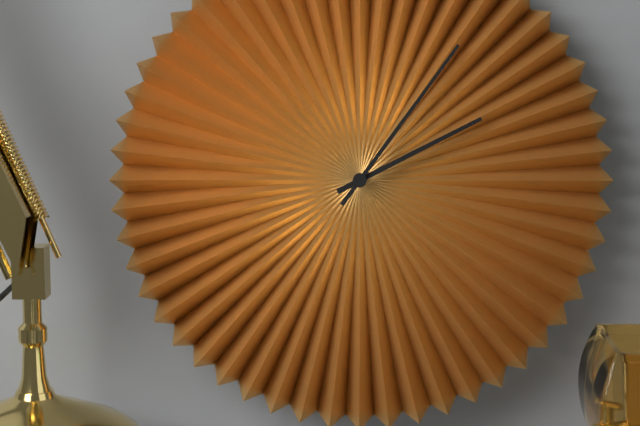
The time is {"hour": 2, "minute": 6}
